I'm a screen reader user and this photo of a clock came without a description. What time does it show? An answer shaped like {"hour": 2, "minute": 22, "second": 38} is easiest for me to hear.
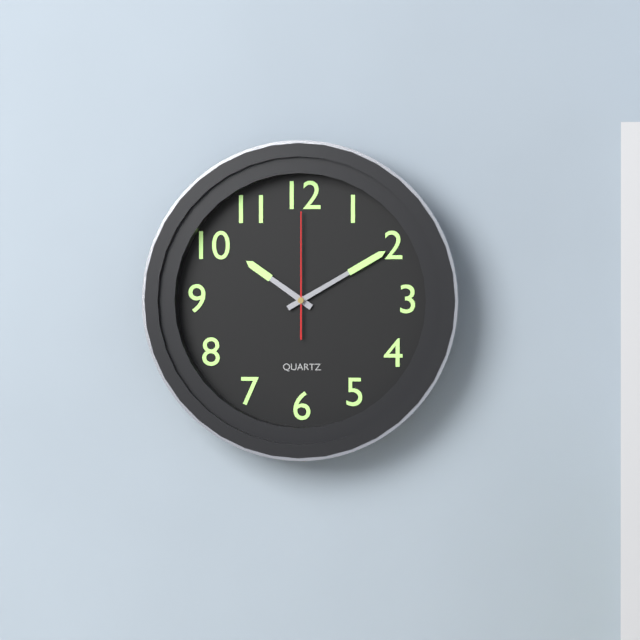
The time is {"hour": 10, "minute": 10, "second": 0}
